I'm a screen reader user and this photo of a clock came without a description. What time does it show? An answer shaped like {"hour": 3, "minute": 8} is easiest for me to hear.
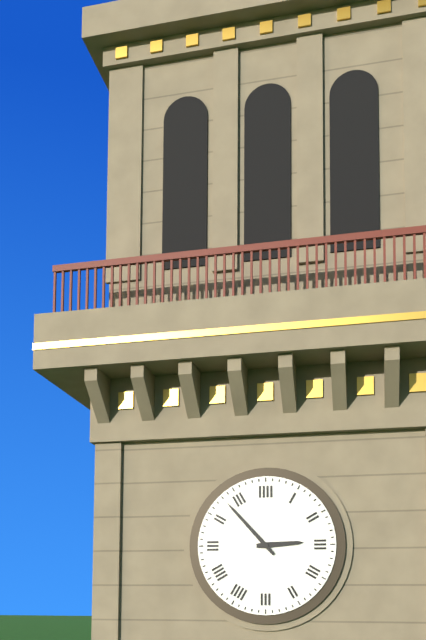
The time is {"hour": 2, "minute": 53}
